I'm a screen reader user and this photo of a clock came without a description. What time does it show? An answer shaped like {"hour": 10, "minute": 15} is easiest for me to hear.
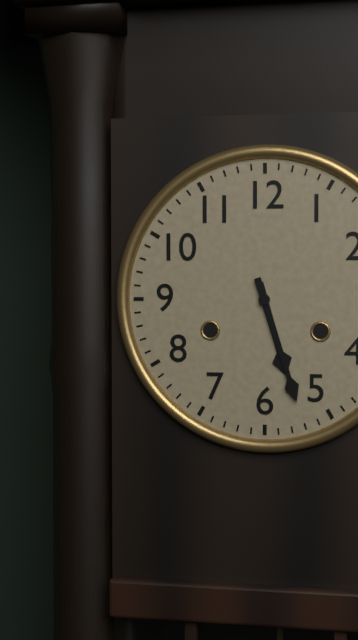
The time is {"hour": 5, "minute": 27}
